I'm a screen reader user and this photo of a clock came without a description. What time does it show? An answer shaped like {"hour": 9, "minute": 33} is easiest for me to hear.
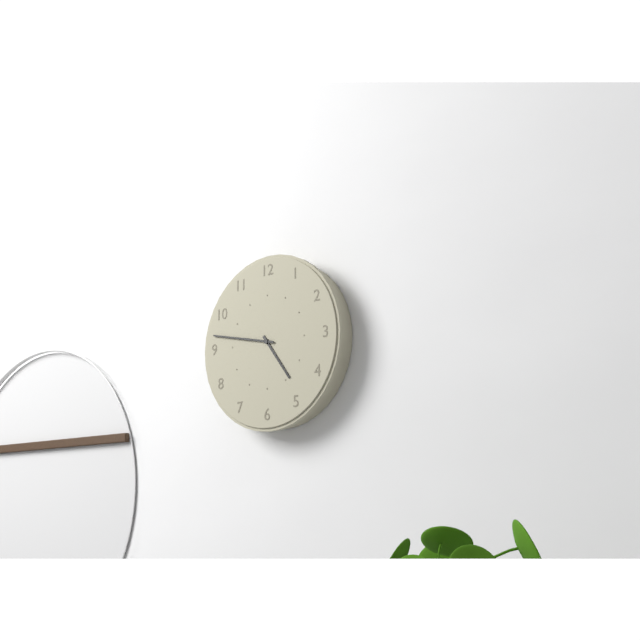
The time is {"hour": 4, "minute": 47}
